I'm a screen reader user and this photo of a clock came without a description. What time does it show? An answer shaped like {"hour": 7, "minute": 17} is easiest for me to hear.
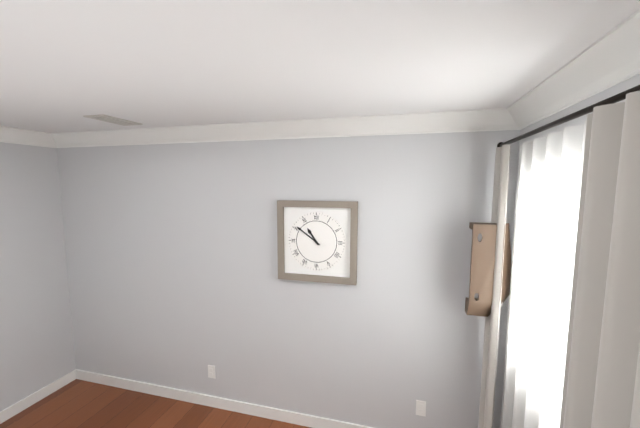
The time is {"hour": 10, "minute": 51}
